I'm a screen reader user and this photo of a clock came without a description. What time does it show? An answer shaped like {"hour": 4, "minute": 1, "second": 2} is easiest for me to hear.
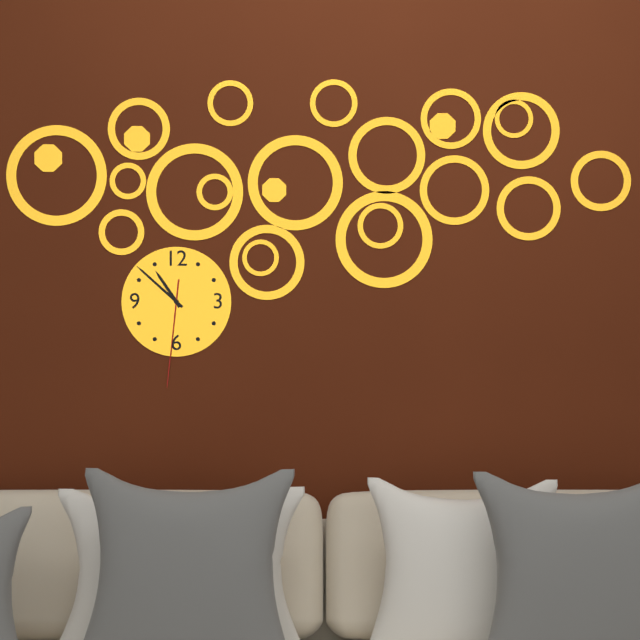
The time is {"hour": 10, "minute": 52, "second": 31}
